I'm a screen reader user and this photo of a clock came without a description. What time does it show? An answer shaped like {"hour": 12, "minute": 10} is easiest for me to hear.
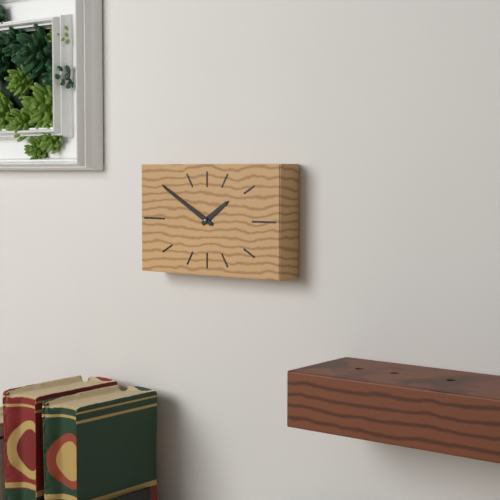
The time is {"hour": 1, "minute": 50}
